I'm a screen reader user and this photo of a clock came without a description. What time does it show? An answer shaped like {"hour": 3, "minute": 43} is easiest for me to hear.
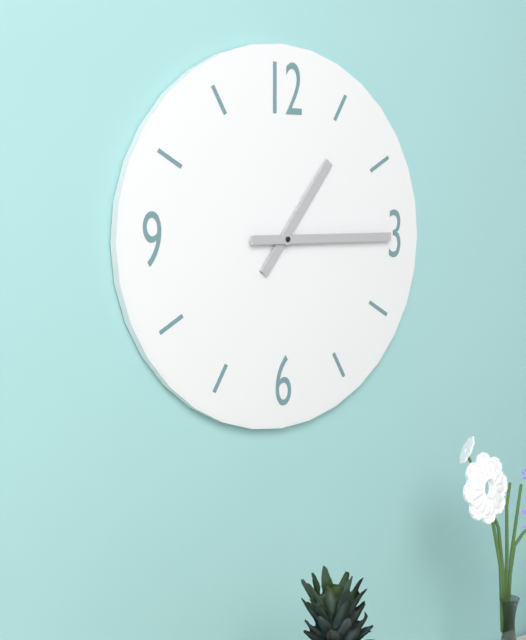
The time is {"hour": 1, "minute": 15}
